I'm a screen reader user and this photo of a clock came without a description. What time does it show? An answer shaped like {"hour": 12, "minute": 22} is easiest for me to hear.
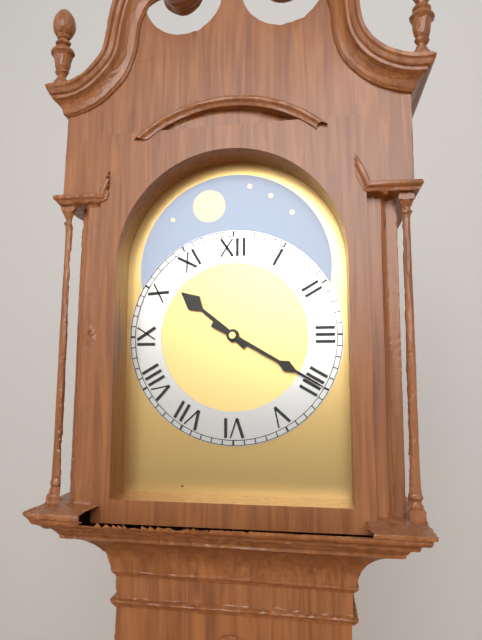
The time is {"hour": 10, "minute": 20}
